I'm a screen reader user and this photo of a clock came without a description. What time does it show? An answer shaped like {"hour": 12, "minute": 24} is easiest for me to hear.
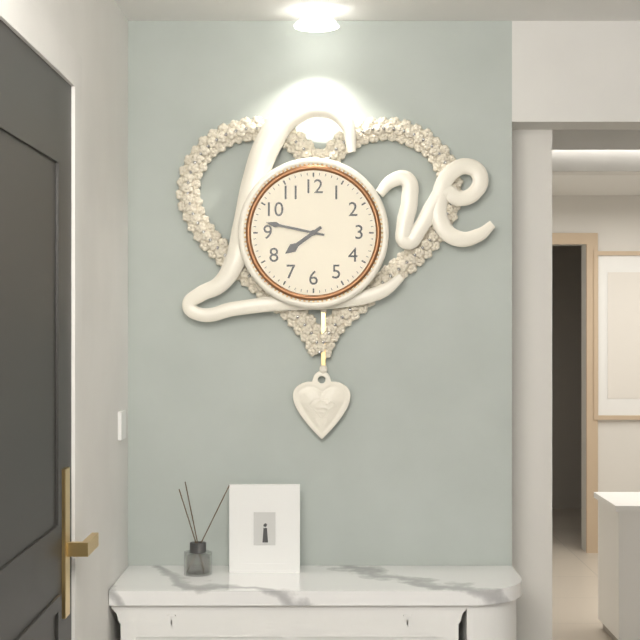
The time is {"hour": 7, "minute": 47}
